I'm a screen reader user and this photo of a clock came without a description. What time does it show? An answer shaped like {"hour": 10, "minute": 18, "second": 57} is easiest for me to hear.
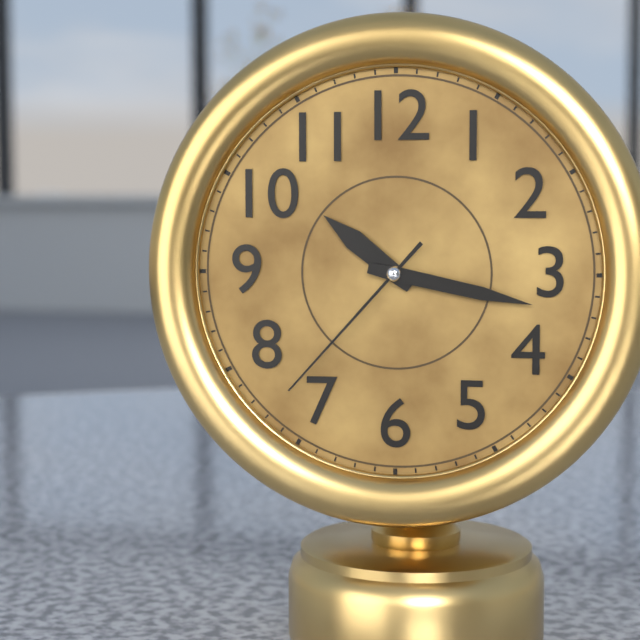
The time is {"hour": 10, "minute": 17, "second": 37}
